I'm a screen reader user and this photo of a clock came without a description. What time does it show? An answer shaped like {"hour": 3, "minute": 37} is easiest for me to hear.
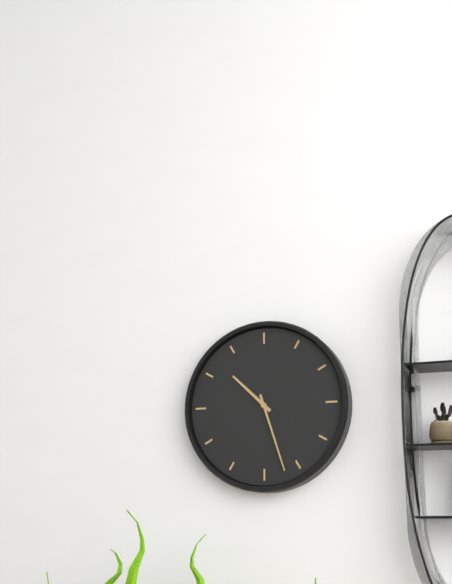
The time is {"hour": 10, "minute": 27}
